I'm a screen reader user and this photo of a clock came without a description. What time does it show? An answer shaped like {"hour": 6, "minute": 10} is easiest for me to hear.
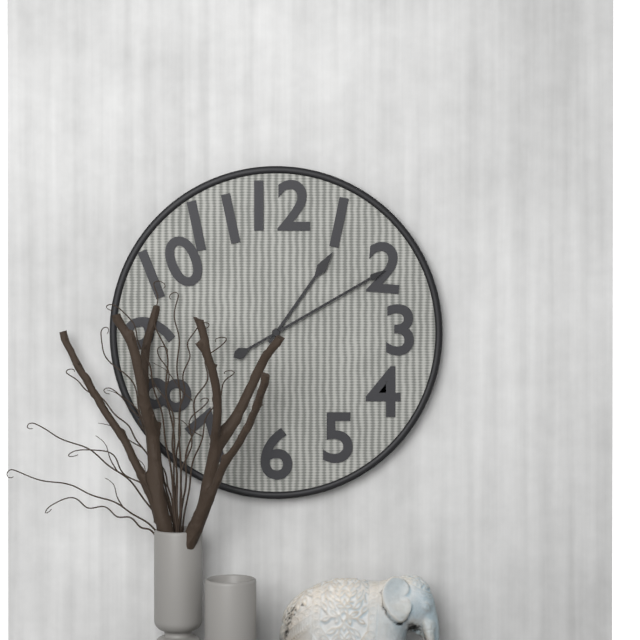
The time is {"hour": 1, "minute": 10}
